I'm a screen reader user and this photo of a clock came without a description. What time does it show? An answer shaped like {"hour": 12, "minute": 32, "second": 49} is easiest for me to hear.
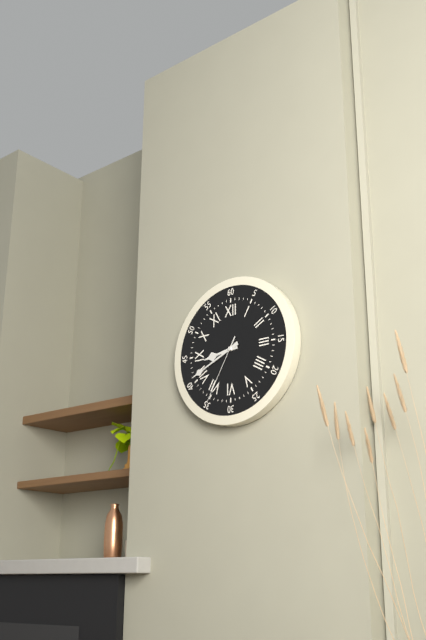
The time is {"hour": 8, "minute": 41, "second": 35}
